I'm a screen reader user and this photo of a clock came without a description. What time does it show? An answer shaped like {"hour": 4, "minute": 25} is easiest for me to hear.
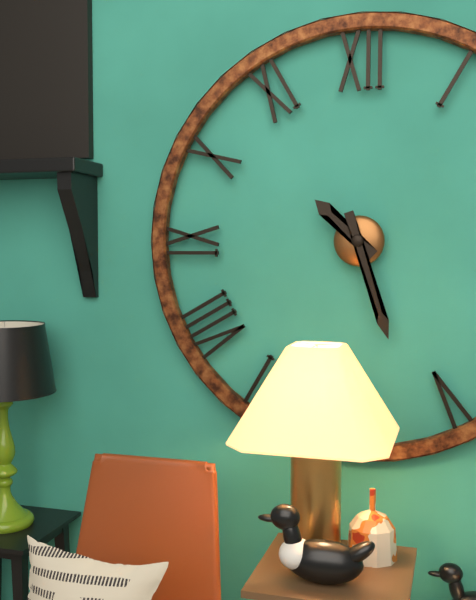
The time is {"hour": 10, "minute": 27}
